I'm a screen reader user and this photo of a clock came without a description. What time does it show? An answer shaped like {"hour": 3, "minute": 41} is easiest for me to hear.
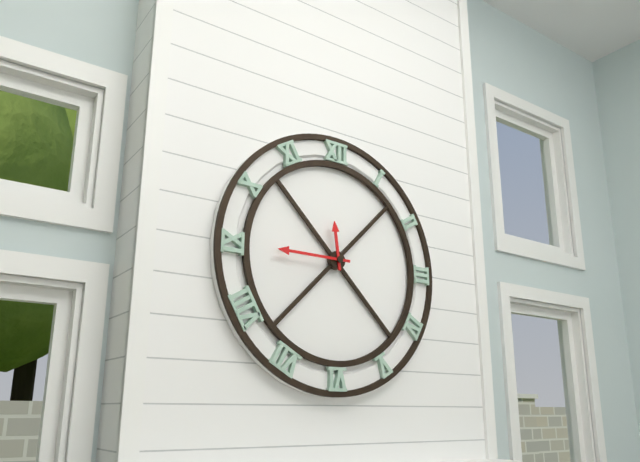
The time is {"hour": 11, "minute": 45}
